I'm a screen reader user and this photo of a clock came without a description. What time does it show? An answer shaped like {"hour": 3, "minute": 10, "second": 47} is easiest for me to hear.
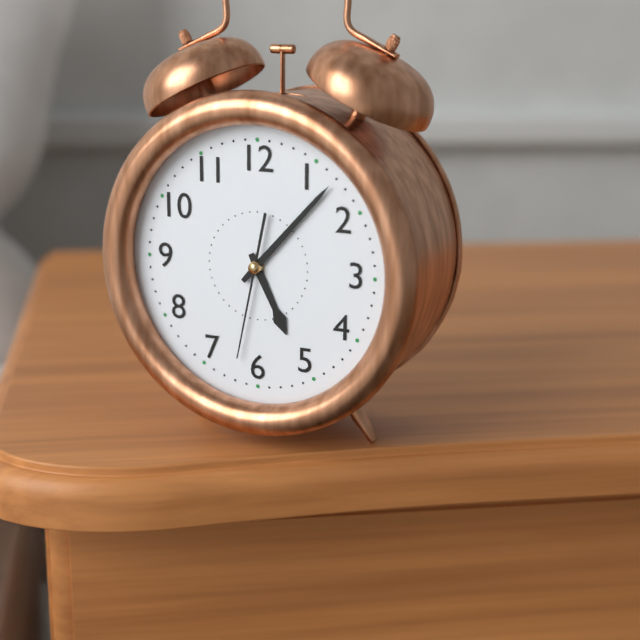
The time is {"hour": 5, "minute": 7, "second": 32}
